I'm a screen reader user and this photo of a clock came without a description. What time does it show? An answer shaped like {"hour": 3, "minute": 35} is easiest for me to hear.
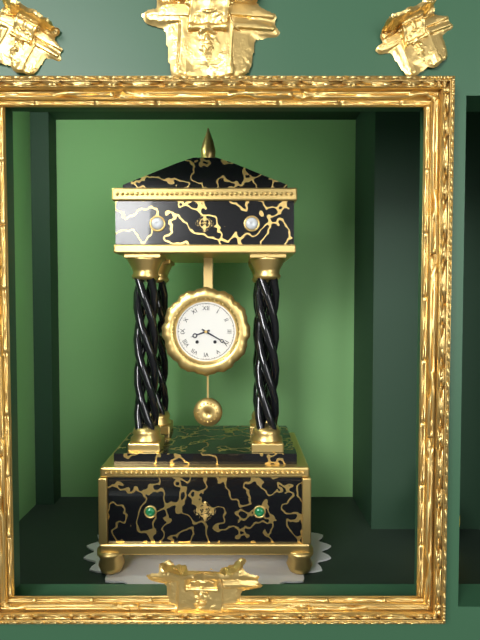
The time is {"hour": 8, "minute": 20}
